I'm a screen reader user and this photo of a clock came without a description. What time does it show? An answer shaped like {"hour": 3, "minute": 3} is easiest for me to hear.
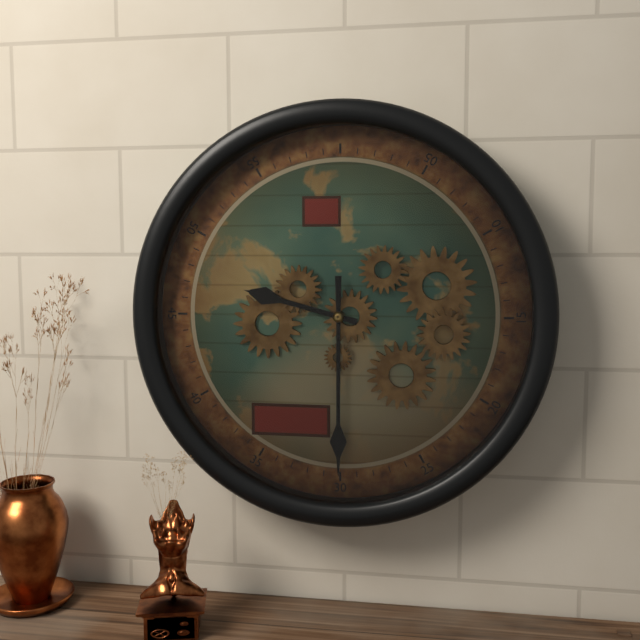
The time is {"hour": 9, "minute": 30}
